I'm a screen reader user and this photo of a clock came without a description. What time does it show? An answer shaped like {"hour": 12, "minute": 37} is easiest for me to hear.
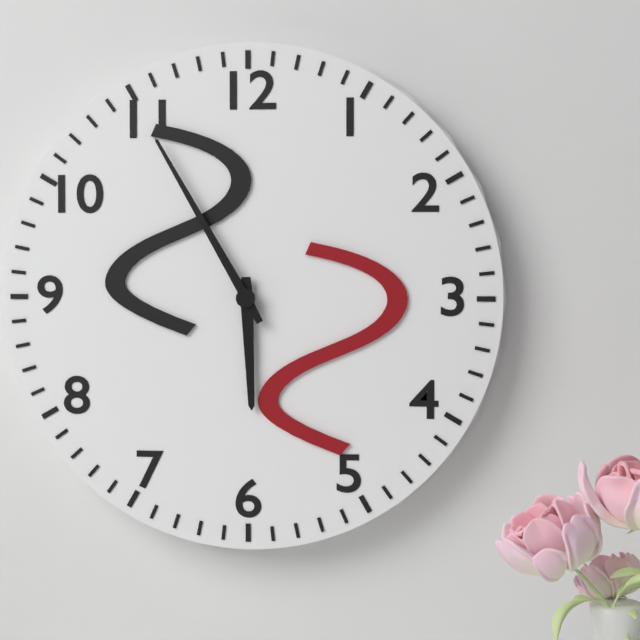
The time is {"hour": 5, "minute": 55}
